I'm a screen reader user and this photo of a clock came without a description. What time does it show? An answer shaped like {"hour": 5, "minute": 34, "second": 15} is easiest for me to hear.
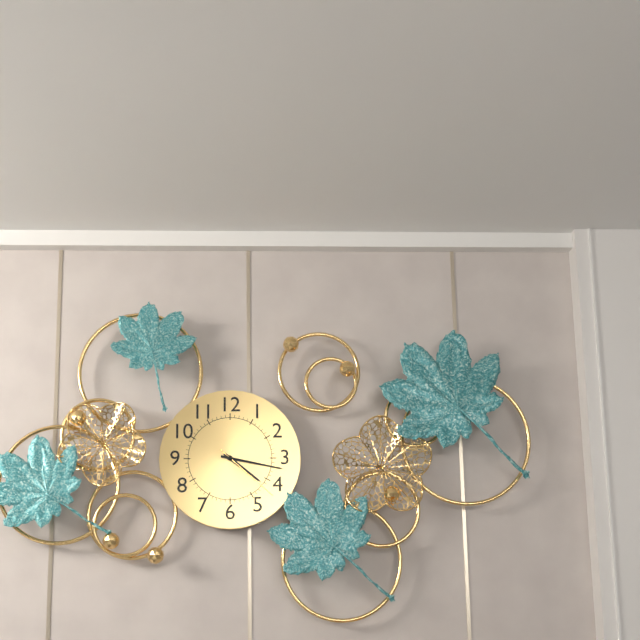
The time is {"hour": 4, "minute": 17, "second": 22}
